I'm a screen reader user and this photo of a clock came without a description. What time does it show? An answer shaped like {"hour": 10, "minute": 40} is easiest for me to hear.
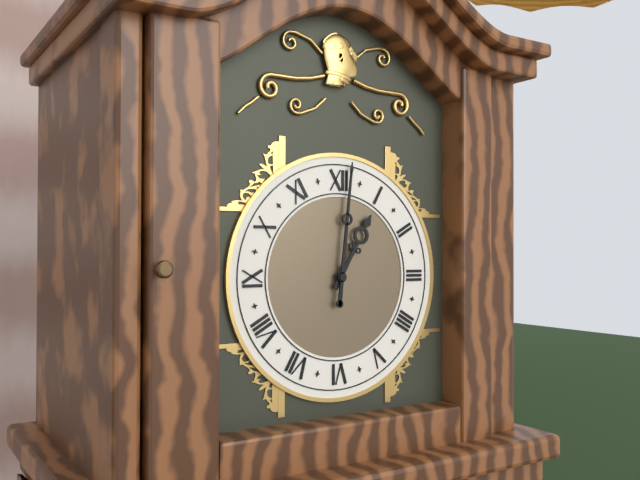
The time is {"hour": 1, "minute": 1}
